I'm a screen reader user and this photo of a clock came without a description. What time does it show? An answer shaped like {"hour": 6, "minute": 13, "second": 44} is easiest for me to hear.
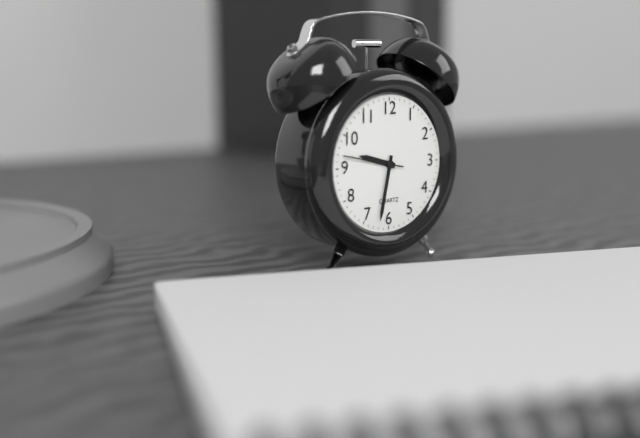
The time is {"hour": 9, "minute": 32, "second": 47}
